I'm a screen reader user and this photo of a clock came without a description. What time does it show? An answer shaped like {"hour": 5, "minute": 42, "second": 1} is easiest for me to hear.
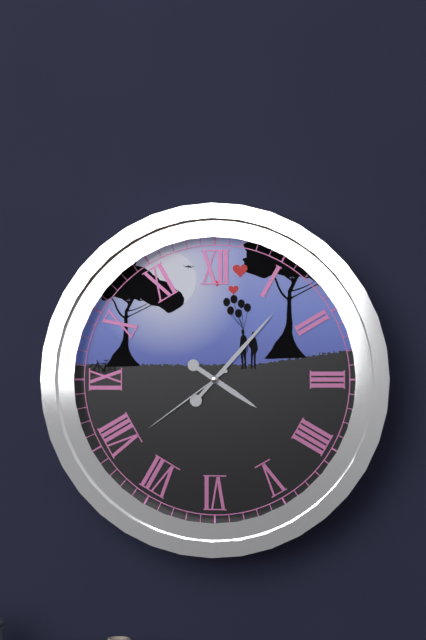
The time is {"hour": 4, "minute": 7, "second": 39}
